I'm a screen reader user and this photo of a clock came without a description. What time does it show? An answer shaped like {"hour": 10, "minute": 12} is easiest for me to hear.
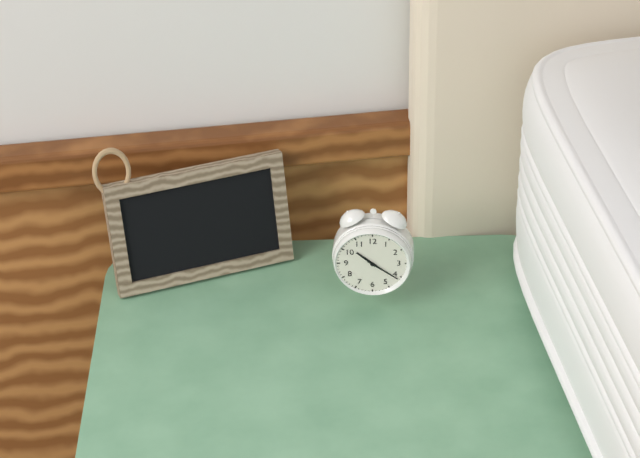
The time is {"hour": 10, "minute": 21}
